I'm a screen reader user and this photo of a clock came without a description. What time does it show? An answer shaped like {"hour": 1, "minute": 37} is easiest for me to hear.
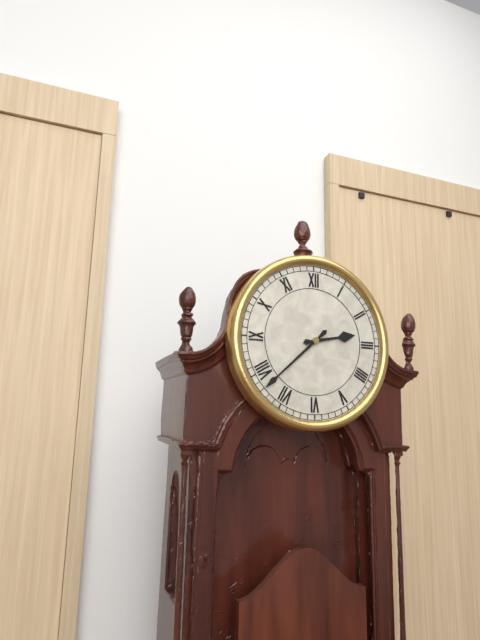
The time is {"hour": 2, "minute": 38}
